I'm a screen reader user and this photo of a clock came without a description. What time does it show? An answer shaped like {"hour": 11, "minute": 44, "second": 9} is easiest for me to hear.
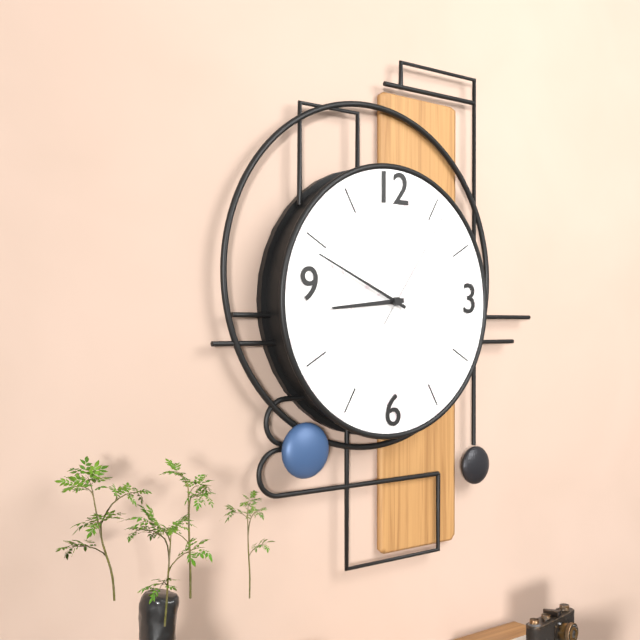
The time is {"hour": 8, "minute": 49, "second": 6}
